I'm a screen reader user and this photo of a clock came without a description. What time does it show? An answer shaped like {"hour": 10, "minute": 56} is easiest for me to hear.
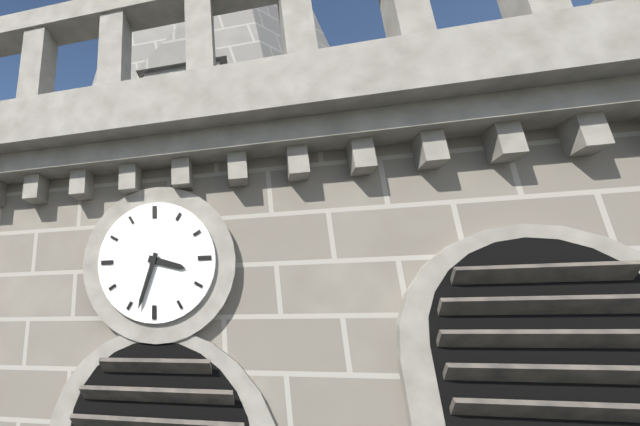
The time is {"hour": 3, "minute": 33}
